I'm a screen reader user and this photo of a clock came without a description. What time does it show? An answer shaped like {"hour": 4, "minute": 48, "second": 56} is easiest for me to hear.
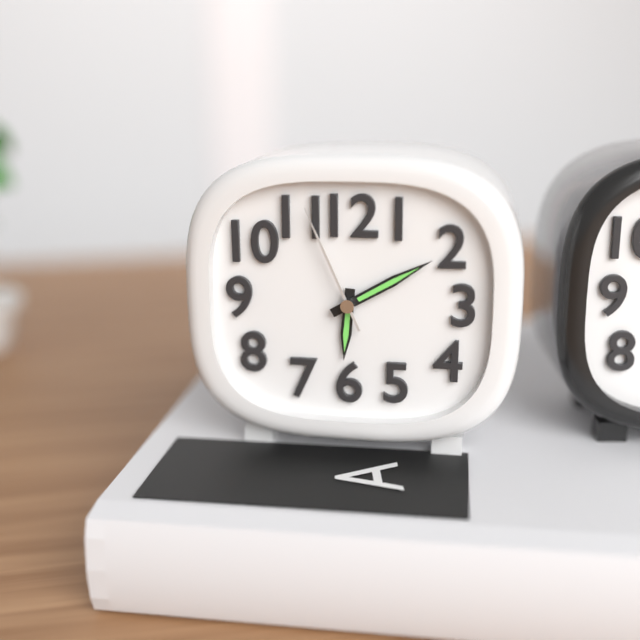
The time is {"hour": 6, "minute": 10, "second": 56}
